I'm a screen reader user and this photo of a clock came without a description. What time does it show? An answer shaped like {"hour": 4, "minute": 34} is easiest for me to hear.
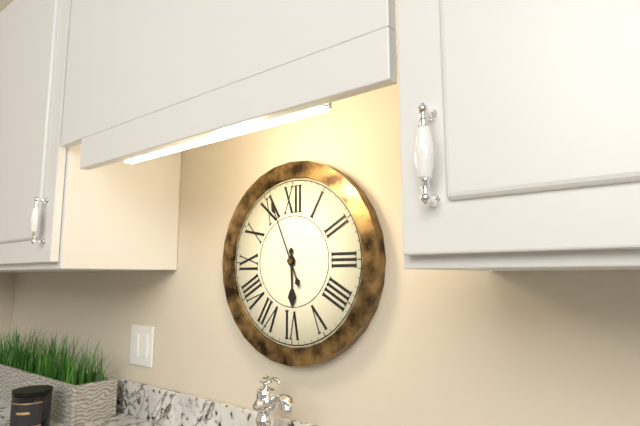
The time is {"hour": 5, "minute": 56}
